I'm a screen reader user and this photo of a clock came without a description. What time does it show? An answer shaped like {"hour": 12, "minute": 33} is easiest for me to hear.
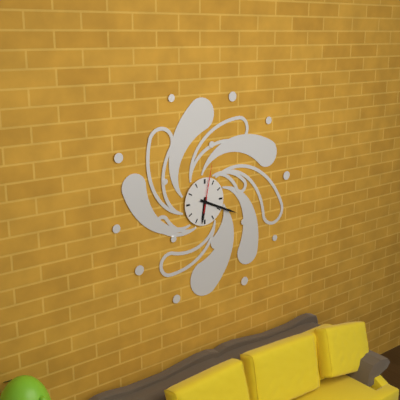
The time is {"hour": 6, "minute": 19}
